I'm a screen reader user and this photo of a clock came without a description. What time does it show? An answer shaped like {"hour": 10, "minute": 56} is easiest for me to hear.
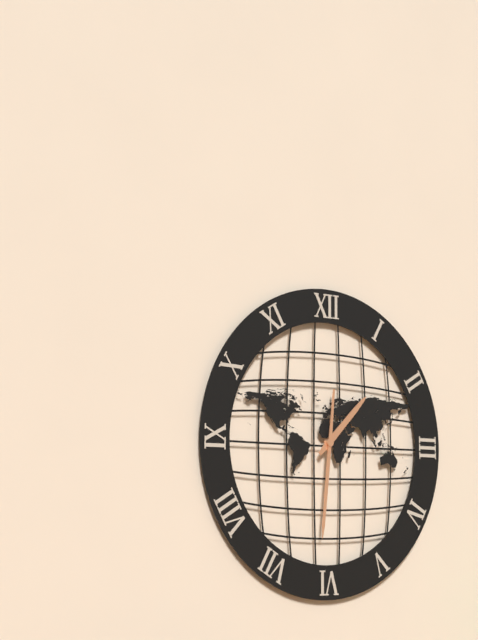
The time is {"hour": 1, "minute": 31}
